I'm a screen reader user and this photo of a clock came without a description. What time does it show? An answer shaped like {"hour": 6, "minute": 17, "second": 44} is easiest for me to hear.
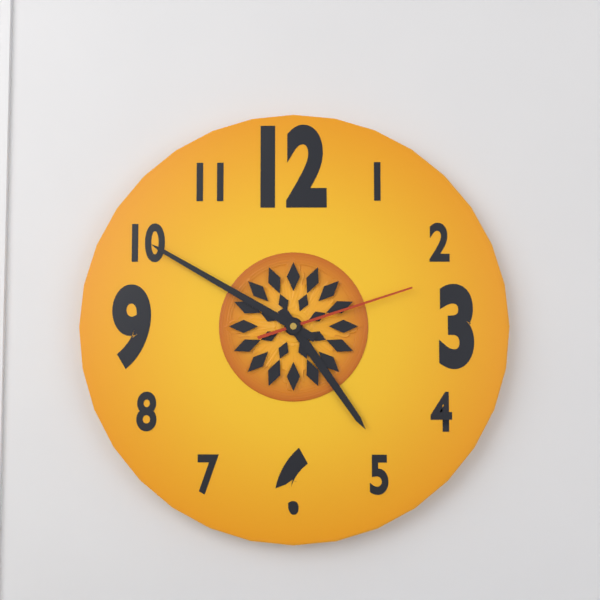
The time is {"hour": 4, "minute": 50, "second": 12}
